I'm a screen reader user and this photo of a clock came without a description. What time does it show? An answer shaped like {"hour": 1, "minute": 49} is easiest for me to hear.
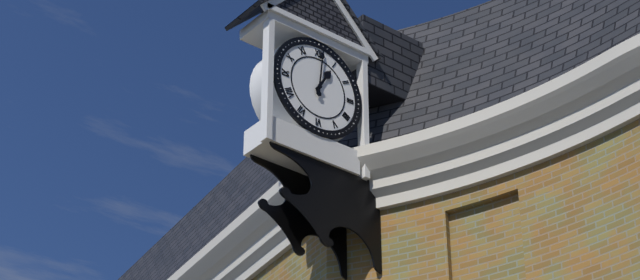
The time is {"hour": 1, "minute": 1}
